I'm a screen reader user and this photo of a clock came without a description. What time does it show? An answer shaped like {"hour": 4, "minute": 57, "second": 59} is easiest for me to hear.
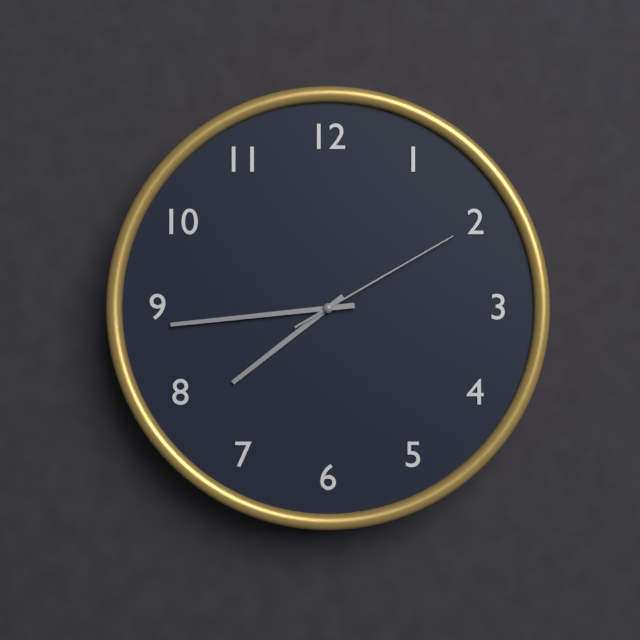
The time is {"hour": 7, "minute": 44, "second": 10}
